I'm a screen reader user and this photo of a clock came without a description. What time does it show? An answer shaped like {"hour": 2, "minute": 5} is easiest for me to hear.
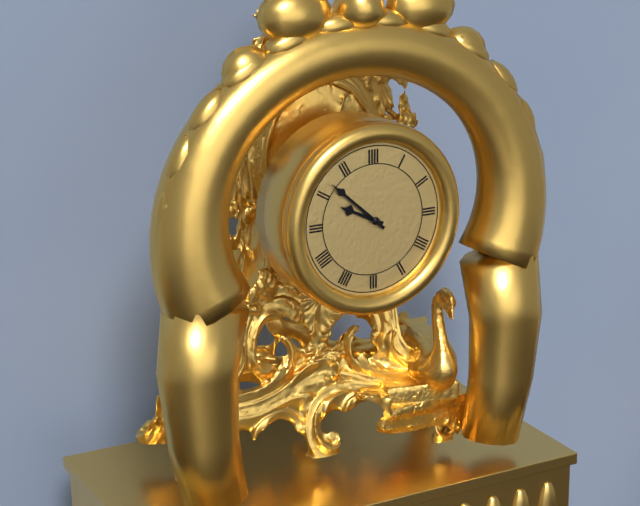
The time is {"hour": 9, "minute": 52}
